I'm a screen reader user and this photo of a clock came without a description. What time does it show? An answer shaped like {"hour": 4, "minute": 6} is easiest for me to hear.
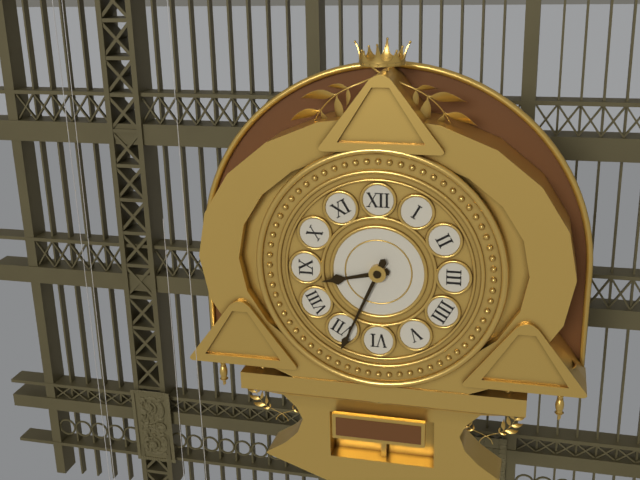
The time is {"hour": 8, "minute": 34}
